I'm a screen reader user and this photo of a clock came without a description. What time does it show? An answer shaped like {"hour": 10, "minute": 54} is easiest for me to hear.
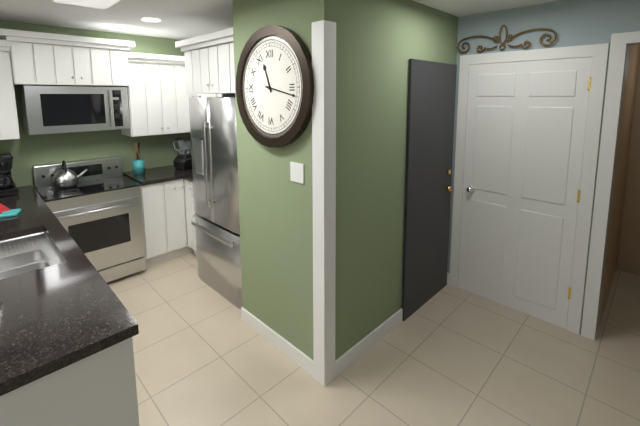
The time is {"hour": 11, "minute": 17}
